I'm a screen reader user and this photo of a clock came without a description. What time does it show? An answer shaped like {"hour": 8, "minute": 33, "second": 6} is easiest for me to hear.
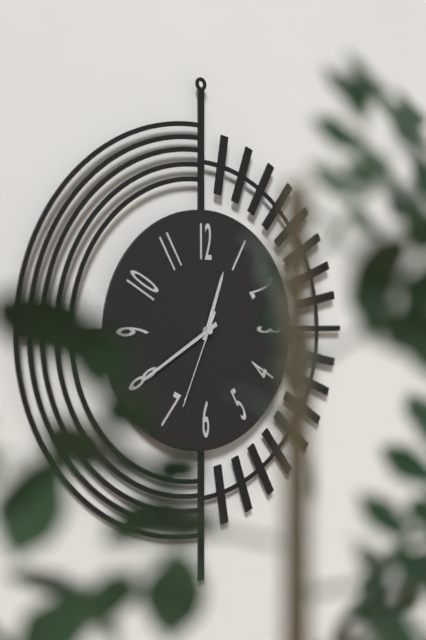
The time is {"hour": 12, "minute": 40, "second": 34}
